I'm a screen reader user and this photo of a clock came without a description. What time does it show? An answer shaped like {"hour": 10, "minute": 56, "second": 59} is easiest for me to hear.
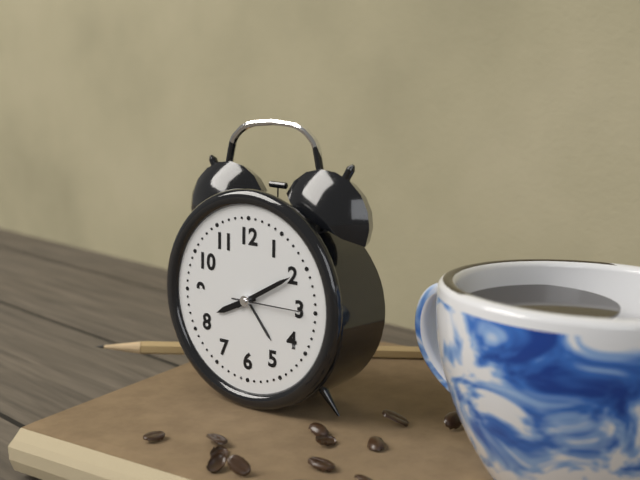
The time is {"hour": 8, "minute": 10, "second": 15}
